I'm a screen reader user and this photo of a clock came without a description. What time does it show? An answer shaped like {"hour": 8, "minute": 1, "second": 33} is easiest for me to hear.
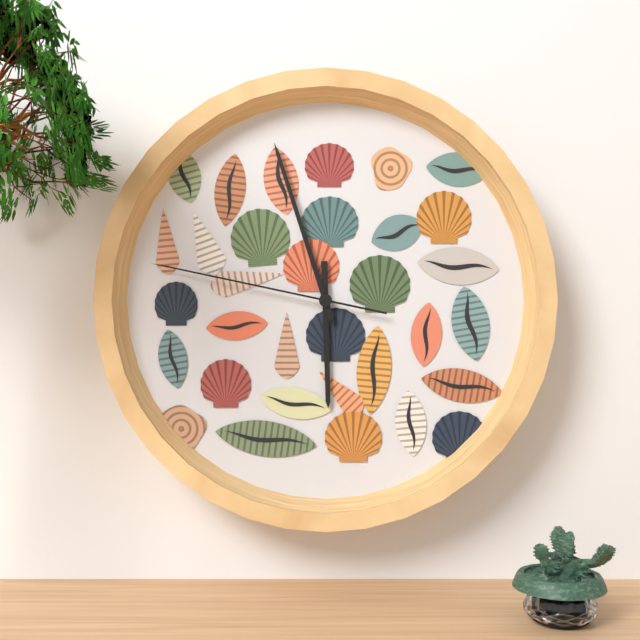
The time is {"hour": 5, "minute": 57, "second": 47}
